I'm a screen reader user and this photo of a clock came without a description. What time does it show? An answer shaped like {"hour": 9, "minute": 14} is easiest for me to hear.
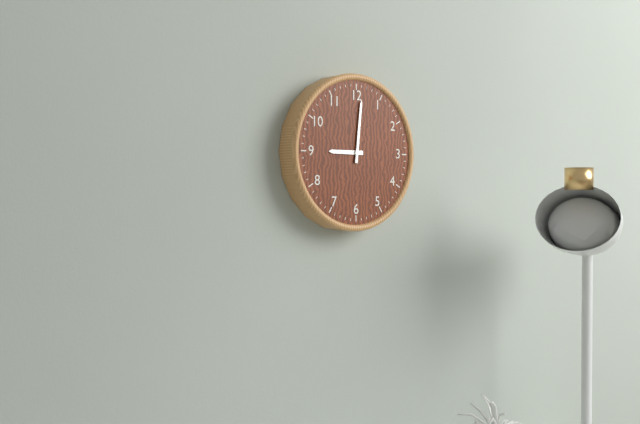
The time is {"hour": 9, "minute": 1}
